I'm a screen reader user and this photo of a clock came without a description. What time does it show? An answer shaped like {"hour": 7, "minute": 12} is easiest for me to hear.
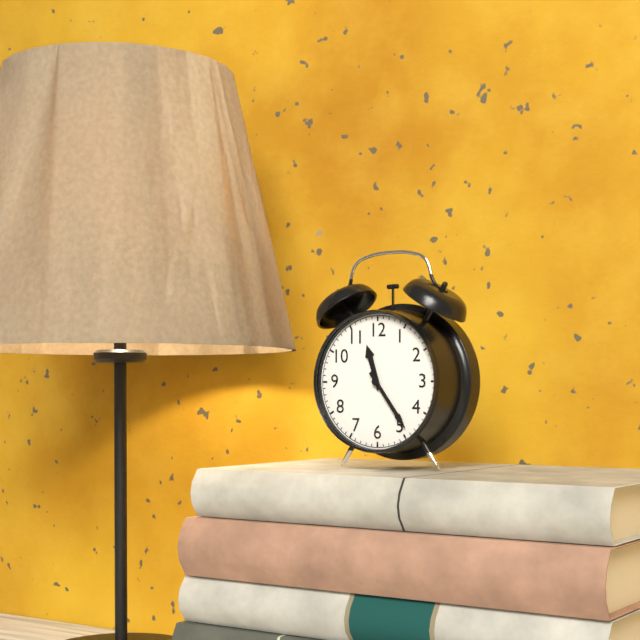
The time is {"hour": 11, "minute": 24}
